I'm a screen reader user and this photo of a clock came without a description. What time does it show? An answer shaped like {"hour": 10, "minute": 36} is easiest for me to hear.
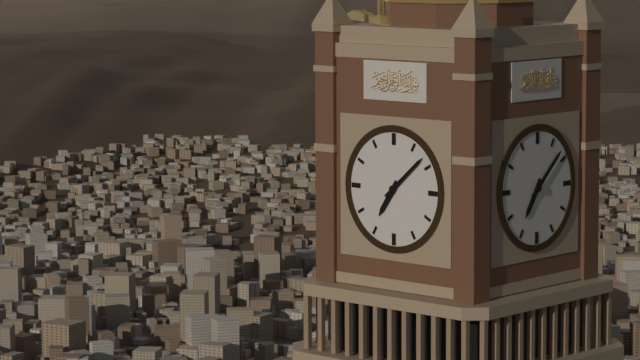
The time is {"hour": 7, "minute": 8}
